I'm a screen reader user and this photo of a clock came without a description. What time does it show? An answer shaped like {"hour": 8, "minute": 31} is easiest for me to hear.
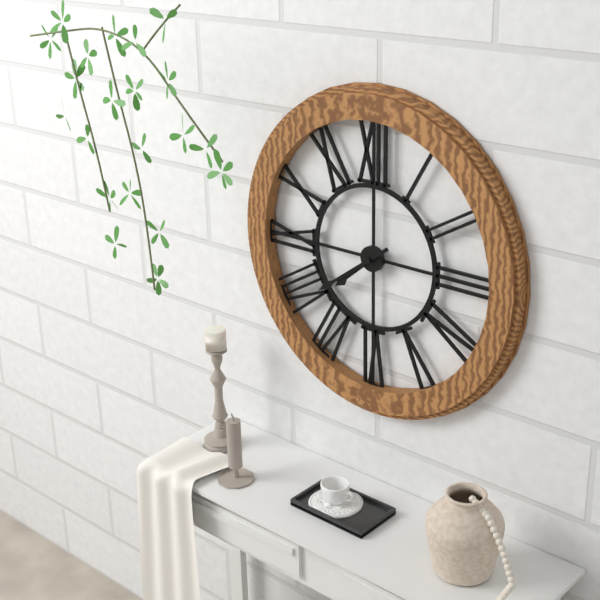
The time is {"hour": 7, "minute": 39}
